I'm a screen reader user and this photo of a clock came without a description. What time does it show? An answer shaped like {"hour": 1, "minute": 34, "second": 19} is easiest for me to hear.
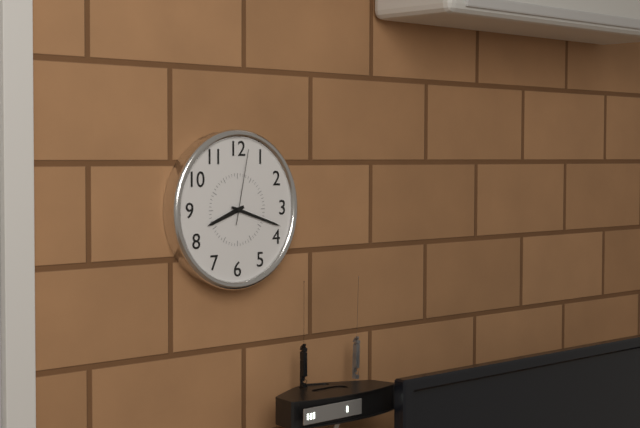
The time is {"hour": 8, "minute": 18, "second": 2}
